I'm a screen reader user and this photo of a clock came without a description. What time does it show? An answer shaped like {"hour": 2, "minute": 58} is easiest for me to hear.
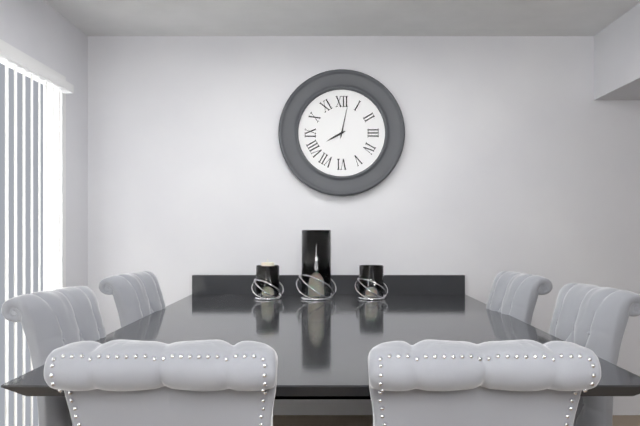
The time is {"hour": 8, "minute": 2}
